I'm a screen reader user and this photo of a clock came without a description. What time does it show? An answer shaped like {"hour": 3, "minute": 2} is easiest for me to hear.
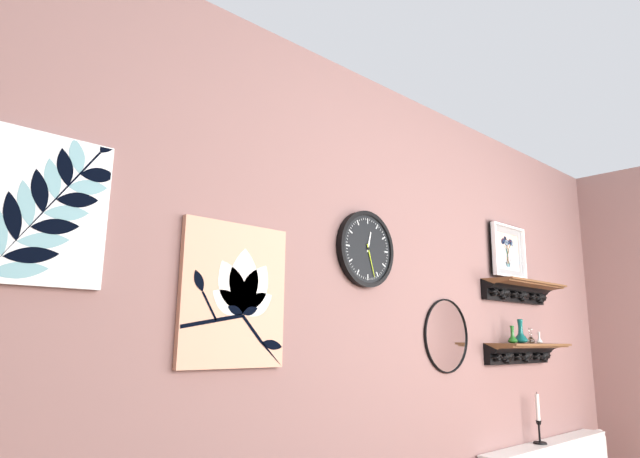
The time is {"hour": 12, "minute": 27}
